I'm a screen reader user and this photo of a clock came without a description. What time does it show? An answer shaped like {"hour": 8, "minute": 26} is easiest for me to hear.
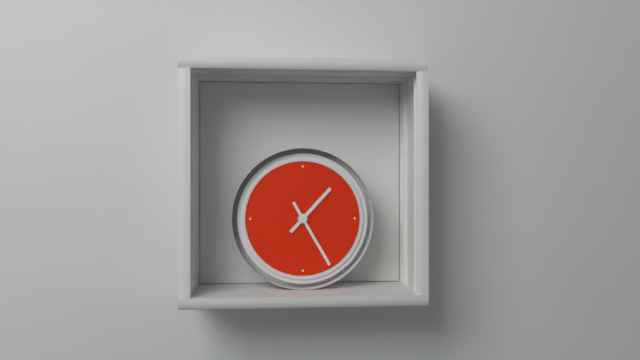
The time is {"hour": 1, "minute": 25}
